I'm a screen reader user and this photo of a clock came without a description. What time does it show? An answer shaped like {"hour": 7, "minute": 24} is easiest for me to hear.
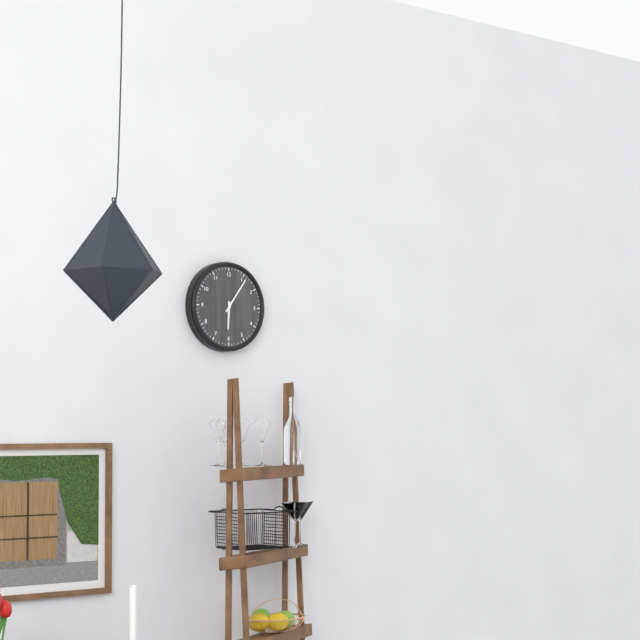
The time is {"hour": 6, "minute": 6}
